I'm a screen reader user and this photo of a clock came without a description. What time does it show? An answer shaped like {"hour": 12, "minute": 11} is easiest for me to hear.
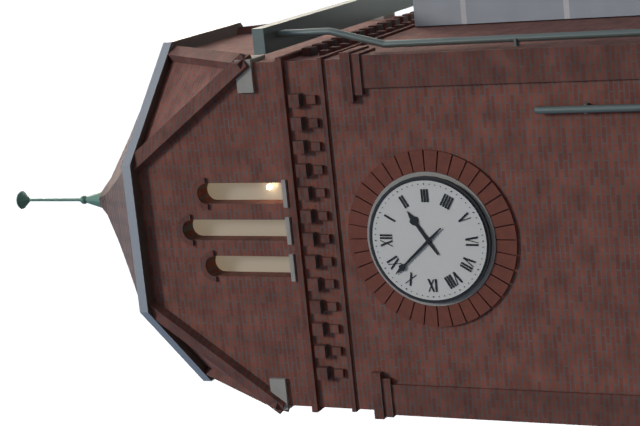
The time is {"hour": 1, "minute": 53}
